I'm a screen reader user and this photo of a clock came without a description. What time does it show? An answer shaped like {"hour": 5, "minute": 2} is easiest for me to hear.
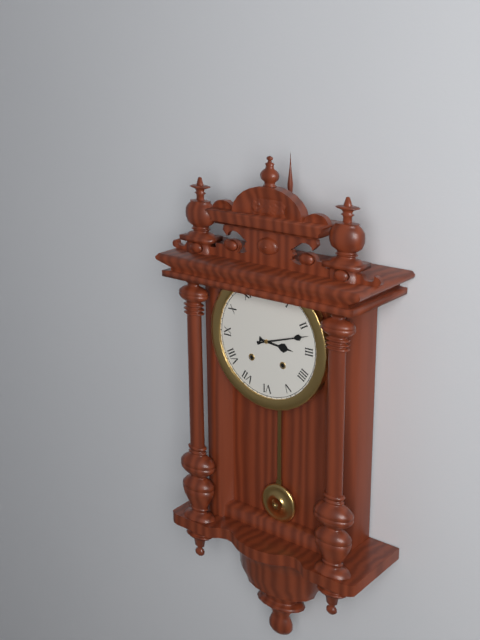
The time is {"hour": 3, "minute": 12}
